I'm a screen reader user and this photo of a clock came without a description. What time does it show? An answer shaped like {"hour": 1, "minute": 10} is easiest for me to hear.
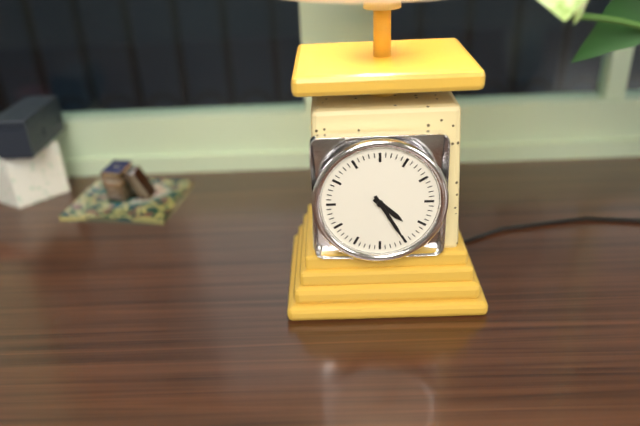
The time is {"hour": 4, "minute": 25}
